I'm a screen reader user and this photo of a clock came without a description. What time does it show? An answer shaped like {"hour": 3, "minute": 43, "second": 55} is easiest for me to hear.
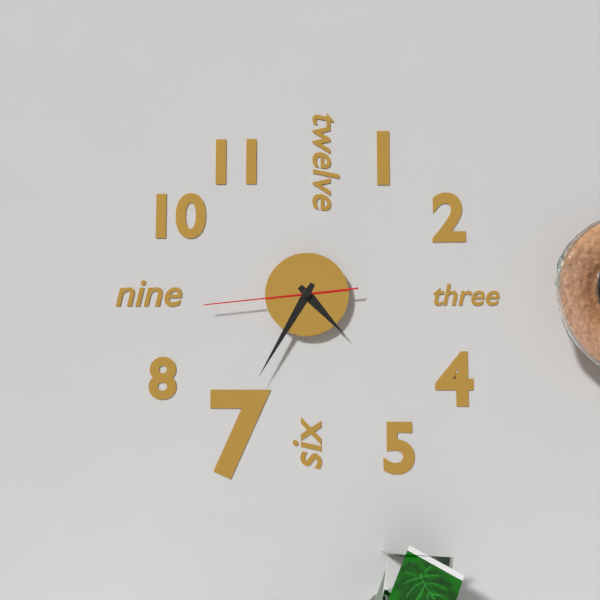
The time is {"hour": 4, "minute": 35, "second": 44}
